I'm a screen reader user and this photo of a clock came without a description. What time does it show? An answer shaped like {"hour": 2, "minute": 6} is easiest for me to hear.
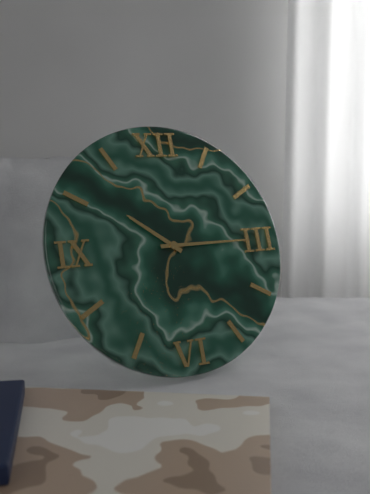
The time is {"hour": 10, "minute": 15}
